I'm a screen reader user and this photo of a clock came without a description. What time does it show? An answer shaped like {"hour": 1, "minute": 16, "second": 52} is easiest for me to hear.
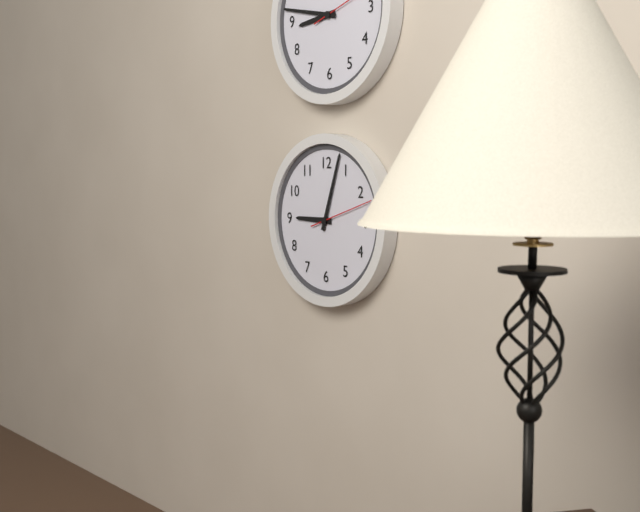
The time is {"hour": 9, "minute": 3, "second": 12}
